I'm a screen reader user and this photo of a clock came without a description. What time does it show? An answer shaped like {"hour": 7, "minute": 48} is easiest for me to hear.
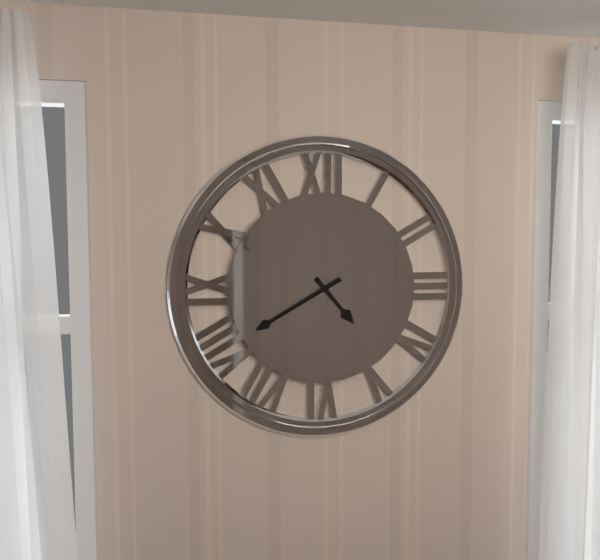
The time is {"hour": 4, "minute": 40}
